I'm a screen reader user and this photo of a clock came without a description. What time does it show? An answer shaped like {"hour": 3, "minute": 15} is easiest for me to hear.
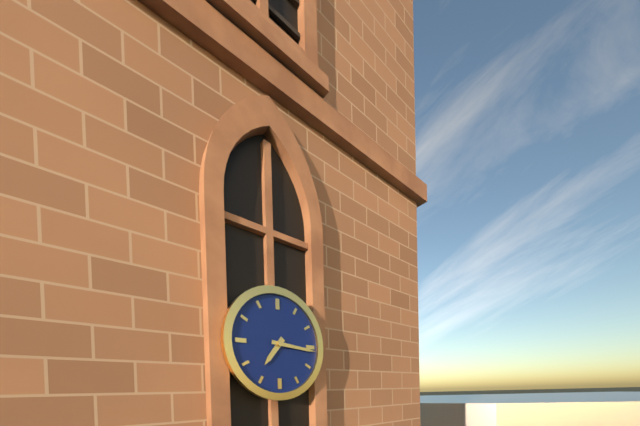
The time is {"hour": 7, "minute": 16}
